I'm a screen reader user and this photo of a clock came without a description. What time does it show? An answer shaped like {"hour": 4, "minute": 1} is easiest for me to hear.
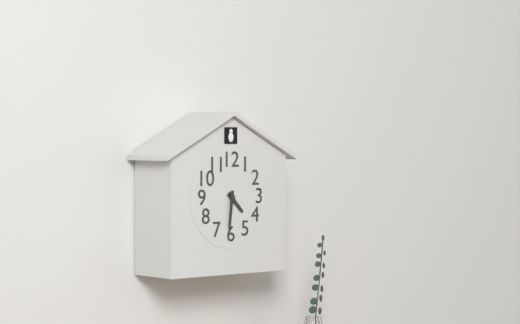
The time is {"hour": 4, "minute": 31}
